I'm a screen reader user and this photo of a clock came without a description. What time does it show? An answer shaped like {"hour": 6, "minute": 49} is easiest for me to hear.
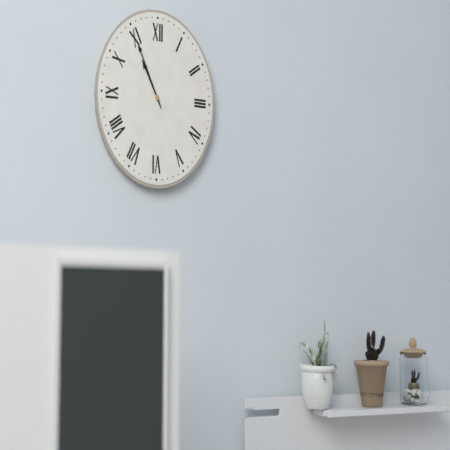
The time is {"hour": 10, "minute": 55}
